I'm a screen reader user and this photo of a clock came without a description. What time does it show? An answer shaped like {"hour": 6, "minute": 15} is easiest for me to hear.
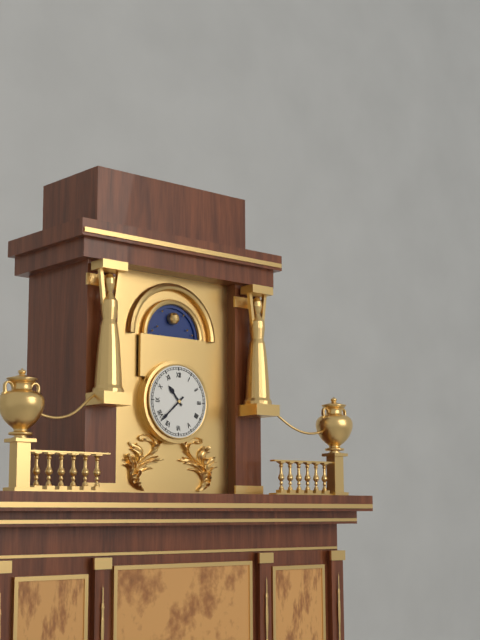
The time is {"hour": 10, "minute": 38}
